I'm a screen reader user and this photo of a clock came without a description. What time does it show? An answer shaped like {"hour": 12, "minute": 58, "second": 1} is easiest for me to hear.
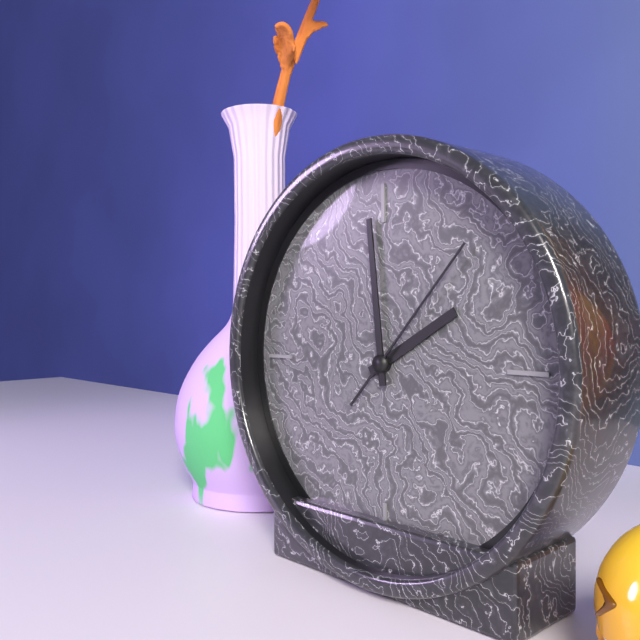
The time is {"hour": 1, "minute": 59, "second": 7}
